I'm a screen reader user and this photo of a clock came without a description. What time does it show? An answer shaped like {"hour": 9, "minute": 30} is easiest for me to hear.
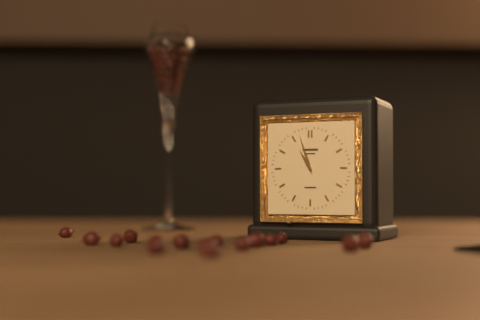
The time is {"hour": 10, "minute": 57}
